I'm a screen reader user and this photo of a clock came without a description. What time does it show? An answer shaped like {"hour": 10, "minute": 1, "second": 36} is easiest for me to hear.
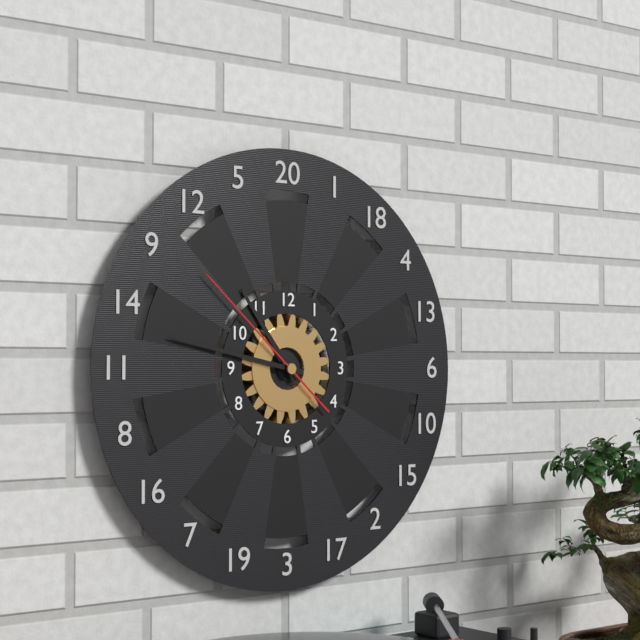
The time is {"hour": 10, "minute": 47, "second": 52}
